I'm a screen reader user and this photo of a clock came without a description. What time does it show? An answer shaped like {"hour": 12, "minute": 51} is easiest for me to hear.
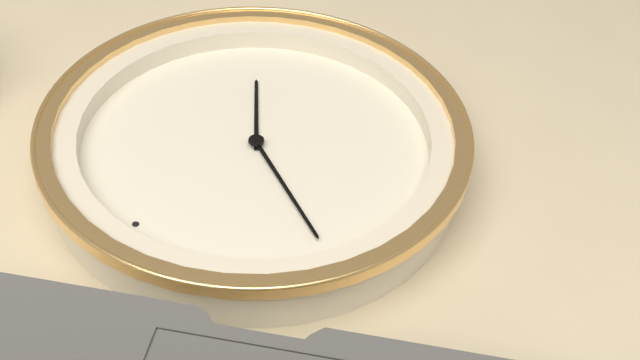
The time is {"hour": 3, "minute": 45}
